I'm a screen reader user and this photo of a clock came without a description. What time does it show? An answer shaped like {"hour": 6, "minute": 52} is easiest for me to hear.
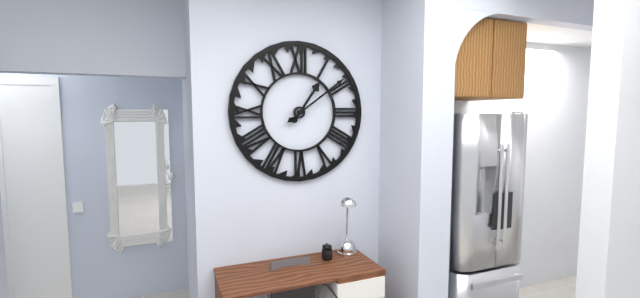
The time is {"hour": 1, "minute": 9}
